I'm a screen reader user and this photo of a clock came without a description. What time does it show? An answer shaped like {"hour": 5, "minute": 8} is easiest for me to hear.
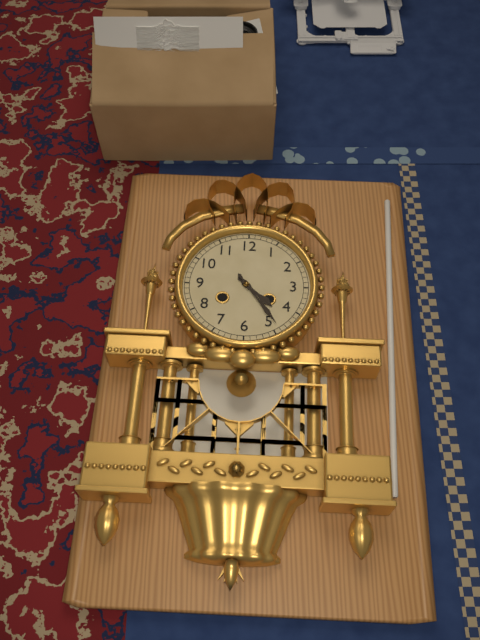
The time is {"hour": 4, "minute": 24}
